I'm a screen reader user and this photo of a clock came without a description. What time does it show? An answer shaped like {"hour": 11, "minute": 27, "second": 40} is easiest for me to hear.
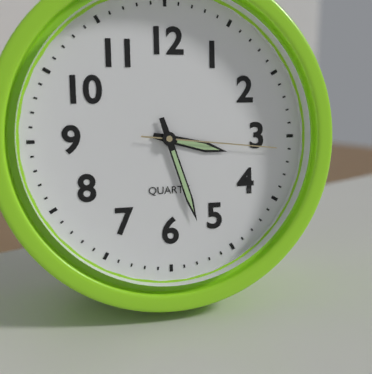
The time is {"hour": 3, "minute": 27, "second": 16}
